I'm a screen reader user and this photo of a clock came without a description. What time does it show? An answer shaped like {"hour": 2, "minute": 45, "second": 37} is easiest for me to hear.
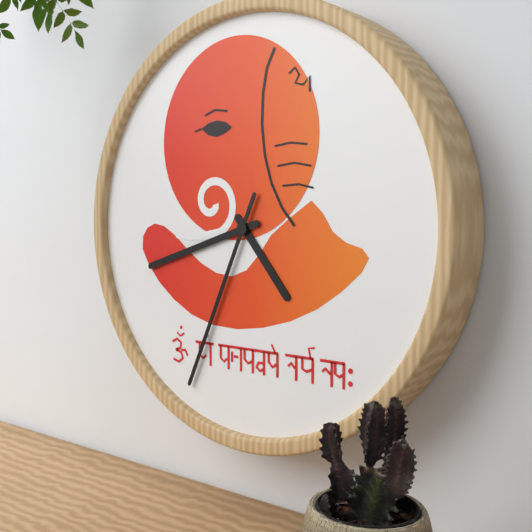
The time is {"hour": 4, "minute": 42, "second": 34}
